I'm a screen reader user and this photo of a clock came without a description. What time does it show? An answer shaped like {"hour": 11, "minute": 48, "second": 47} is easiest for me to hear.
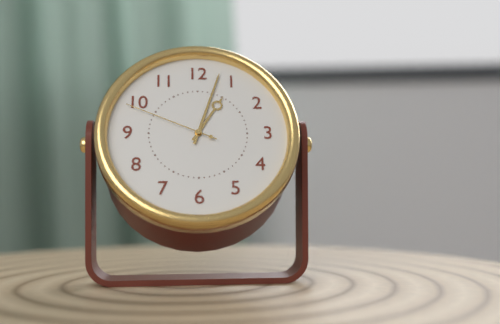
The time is {"hour": 1, "minute": 3, "second": 49}
